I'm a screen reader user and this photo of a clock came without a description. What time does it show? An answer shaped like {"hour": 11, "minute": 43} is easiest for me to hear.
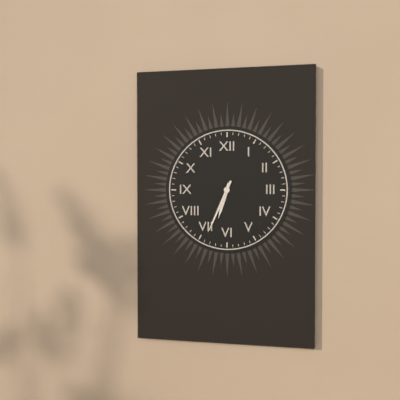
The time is {"hour": 6, "minute": 34}
